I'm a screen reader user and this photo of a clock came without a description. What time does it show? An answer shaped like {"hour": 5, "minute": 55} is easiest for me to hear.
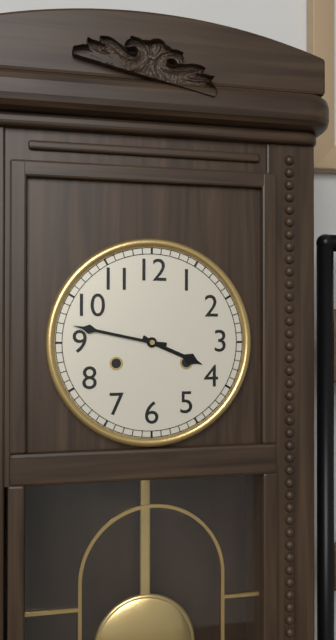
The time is {"hour": 3, "minute": 47}
